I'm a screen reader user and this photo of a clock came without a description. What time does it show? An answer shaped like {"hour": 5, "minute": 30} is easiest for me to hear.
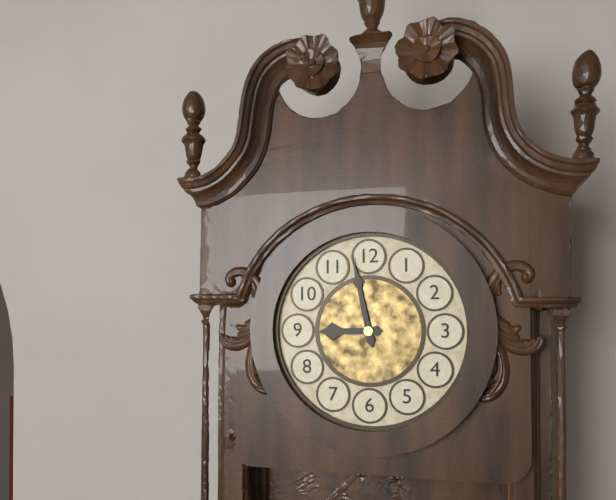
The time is {"hour": 8, "minute": 58}
